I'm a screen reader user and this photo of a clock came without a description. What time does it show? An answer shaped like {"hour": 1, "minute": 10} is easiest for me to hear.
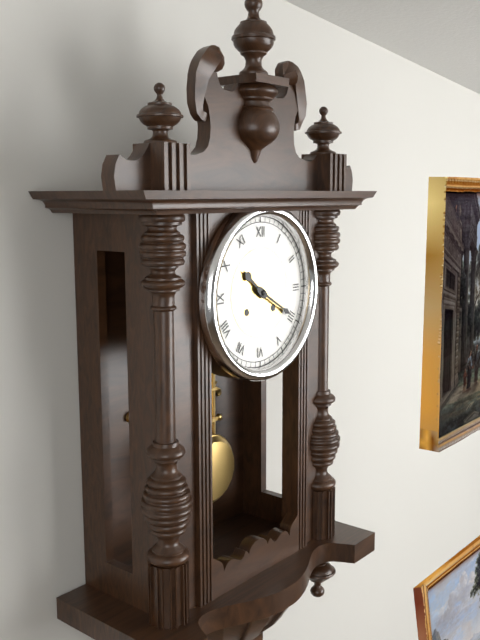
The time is {"hour": 10, "minute": 20}
